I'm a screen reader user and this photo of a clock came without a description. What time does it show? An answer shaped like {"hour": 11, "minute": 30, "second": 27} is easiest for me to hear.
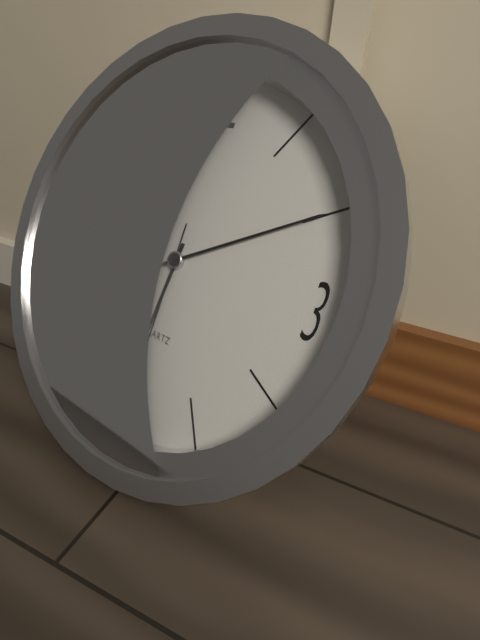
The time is {"hour": 6, "minute": 10, "second": 30}
